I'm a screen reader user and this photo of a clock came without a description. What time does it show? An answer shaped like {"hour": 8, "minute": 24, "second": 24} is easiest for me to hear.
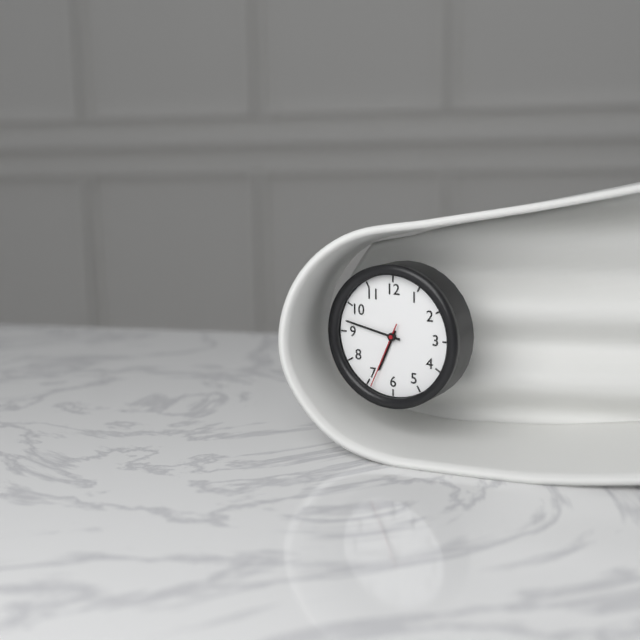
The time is {"hour": 6, "minute": 47, "second": 34}
